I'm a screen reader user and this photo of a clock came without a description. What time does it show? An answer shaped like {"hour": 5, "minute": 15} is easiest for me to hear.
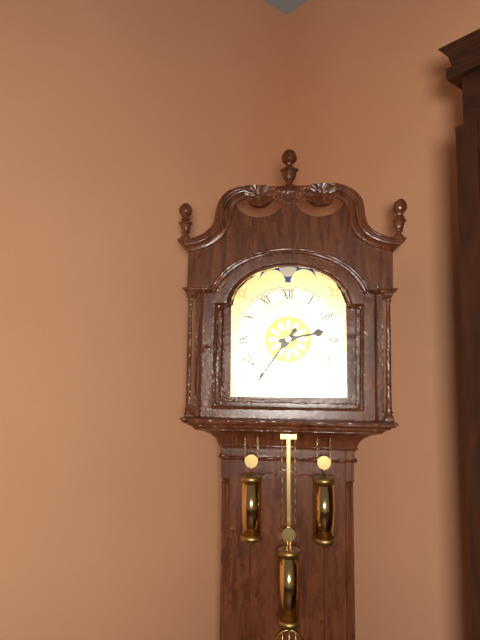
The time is {"hour": 2, "minute": 36}
